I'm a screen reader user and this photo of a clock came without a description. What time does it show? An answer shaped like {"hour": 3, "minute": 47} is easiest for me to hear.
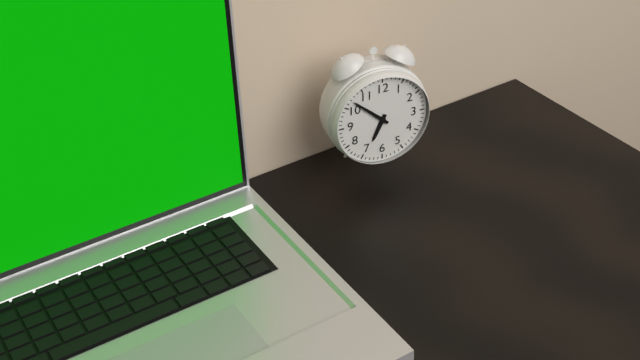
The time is {"hour": 6, "minute": 52}
